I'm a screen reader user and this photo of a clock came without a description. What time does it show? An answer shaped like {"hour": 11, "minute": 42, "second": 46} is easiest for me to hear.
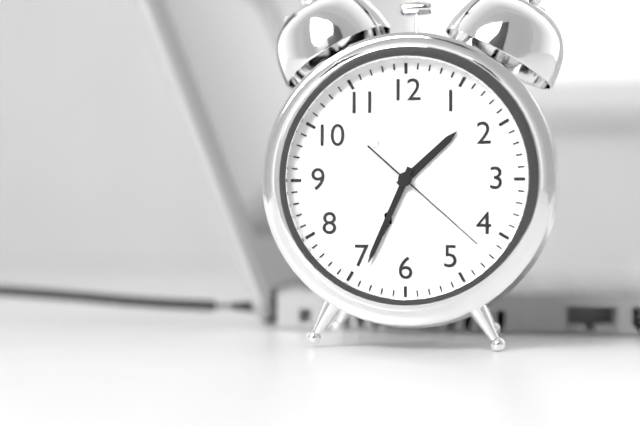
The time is {"hour": 1, "minute": 34, "second": 22}
